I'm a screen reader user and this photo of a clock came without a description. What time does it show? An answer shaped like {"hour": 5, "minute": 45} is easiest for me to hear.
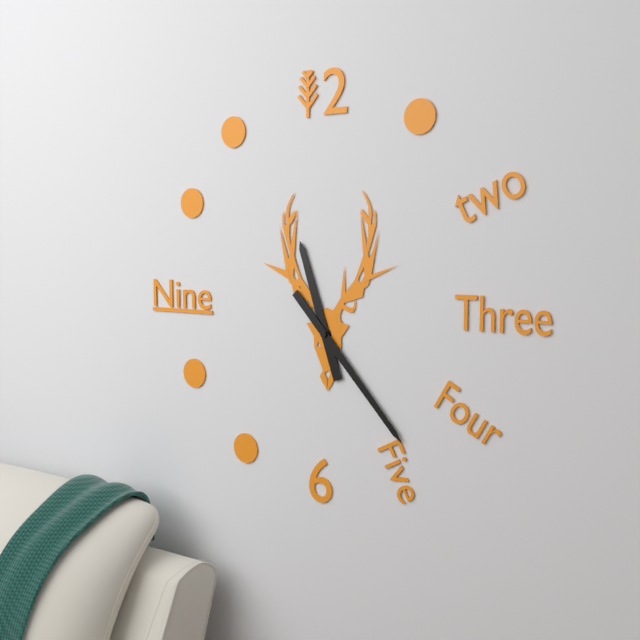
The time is {"hour": 11, "minute": 23}
